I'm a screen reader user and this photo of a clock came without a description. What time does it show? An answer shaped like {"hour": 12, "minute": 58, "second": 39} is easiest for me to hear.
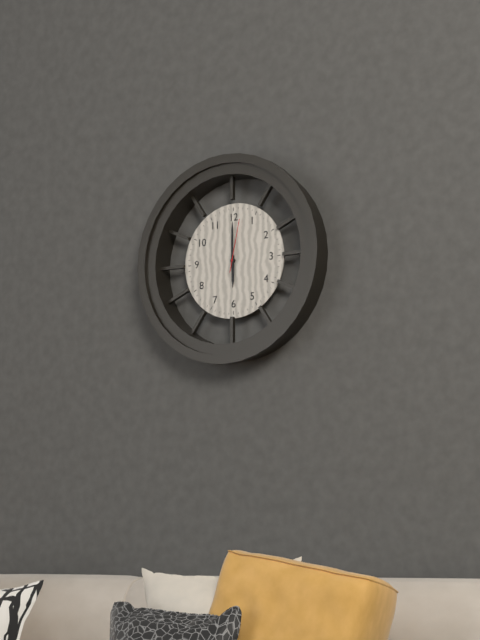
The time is {"hour": 6, "minute": 0, "second": 2}
